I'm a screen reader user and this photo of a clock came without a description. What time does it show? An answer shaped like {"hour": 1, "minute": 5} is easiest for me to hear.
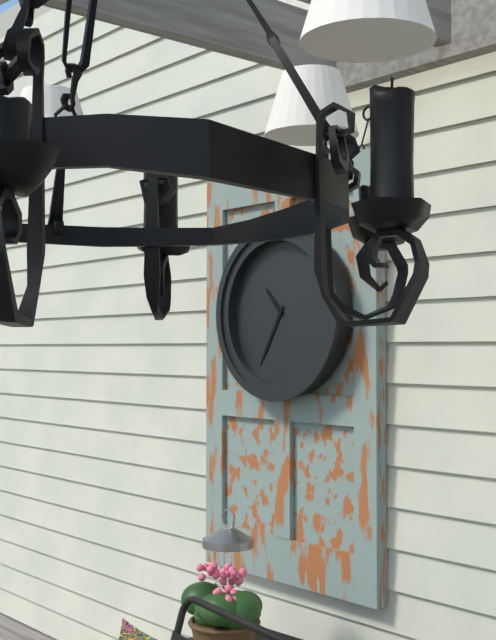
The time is {"hour": 10, "minute": 35}
